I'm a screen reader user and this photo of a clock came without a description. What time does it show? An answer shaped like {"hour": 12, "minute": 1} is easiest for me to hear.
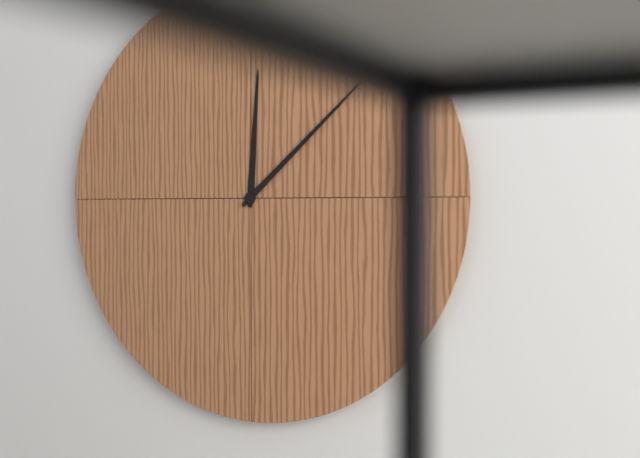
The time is {"hour": 12, "minute": 8}
